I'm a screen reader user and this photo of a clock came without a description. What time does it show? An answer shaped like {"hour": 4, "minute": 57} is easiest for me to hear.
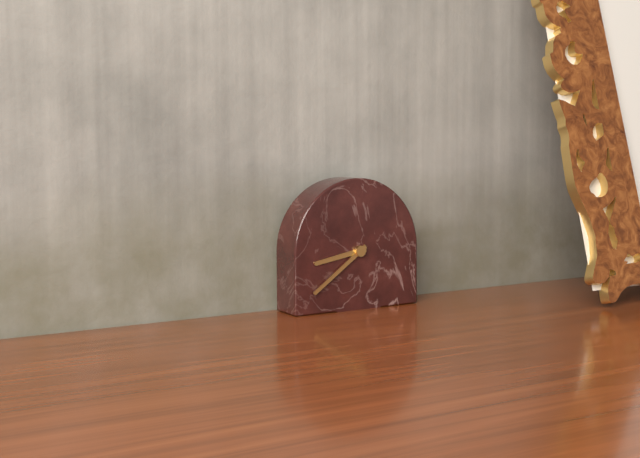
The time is {"hour": 8, "minute": 39}
